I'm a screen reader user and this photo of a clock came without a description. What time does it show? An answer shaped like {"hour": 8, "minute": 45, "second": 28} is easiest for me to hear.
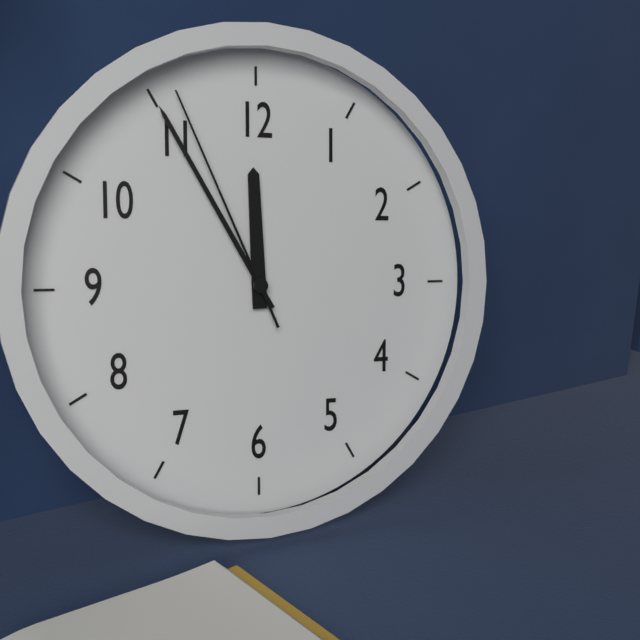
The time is {"hour": 11, "minute": 55, "second": 56}
